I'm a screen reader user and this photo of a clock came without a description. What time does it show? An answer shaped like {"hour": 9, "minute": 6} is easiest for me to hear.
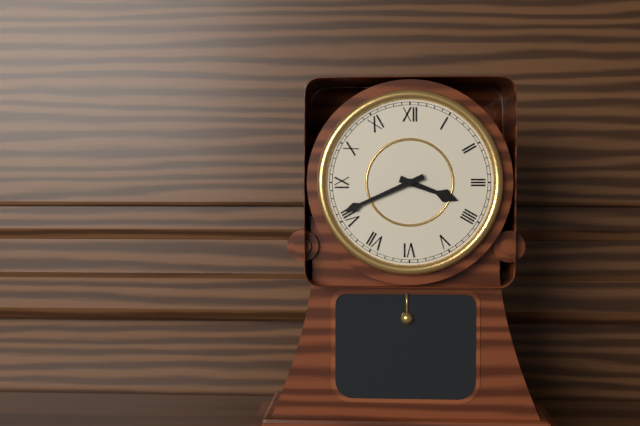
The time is {"hour": 3, "minute": 41}
